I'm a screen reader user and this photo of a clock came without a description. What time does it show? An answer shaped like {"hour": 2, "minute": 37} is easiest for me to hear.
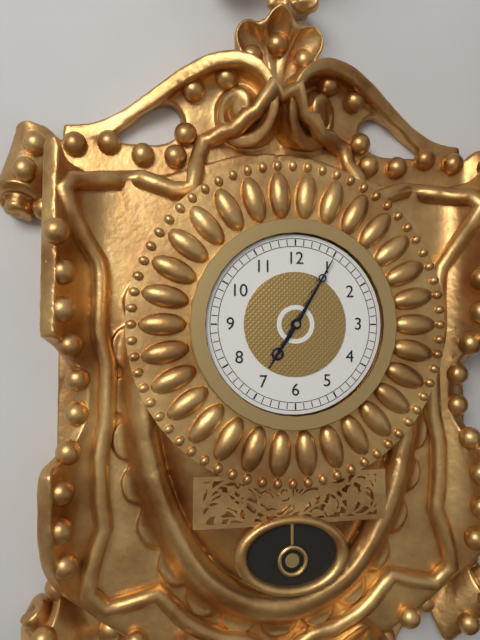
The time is {"hour": 7, "minute": 5}
